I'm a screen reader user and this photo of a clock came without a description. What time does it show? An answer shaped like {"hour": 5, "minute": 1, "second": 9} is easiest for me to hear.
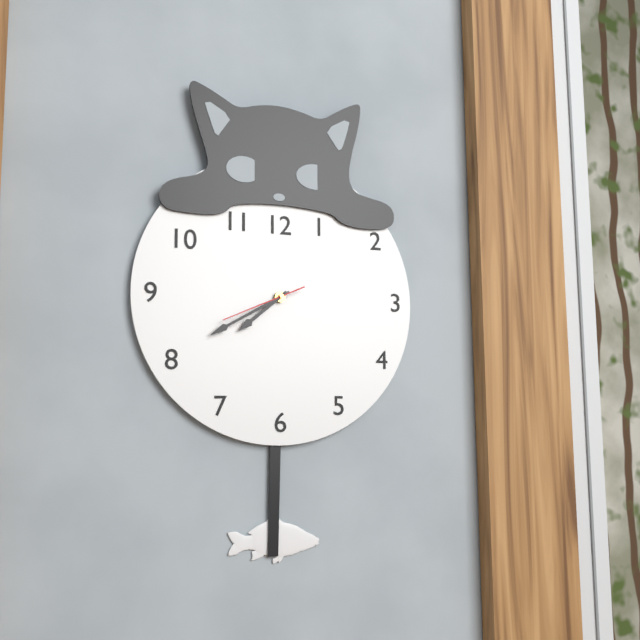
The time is {"hour": 7, "minute": 40, "second": 41}
